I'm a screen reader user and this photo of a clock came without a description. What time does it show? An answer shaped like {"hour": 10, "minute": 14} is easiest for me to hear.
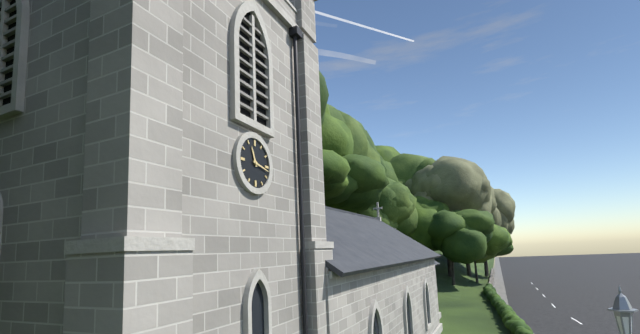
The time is {"hour": 11, "minute": 17}
